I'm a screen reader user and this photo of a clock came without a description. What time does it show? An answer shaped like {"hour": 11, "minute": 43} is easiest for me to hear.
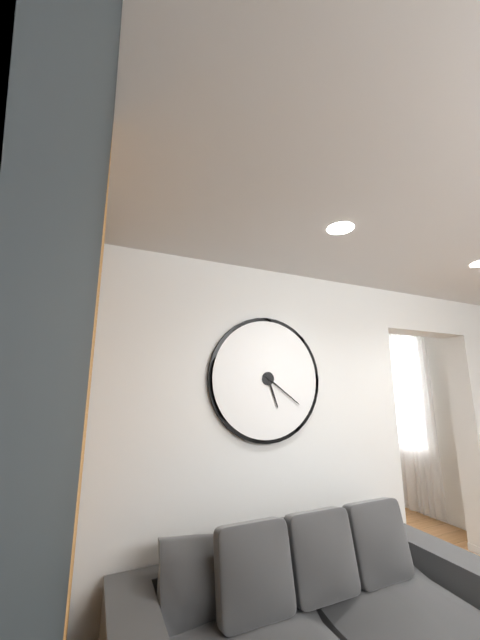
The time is {"hour": 5, "minute": 21}
